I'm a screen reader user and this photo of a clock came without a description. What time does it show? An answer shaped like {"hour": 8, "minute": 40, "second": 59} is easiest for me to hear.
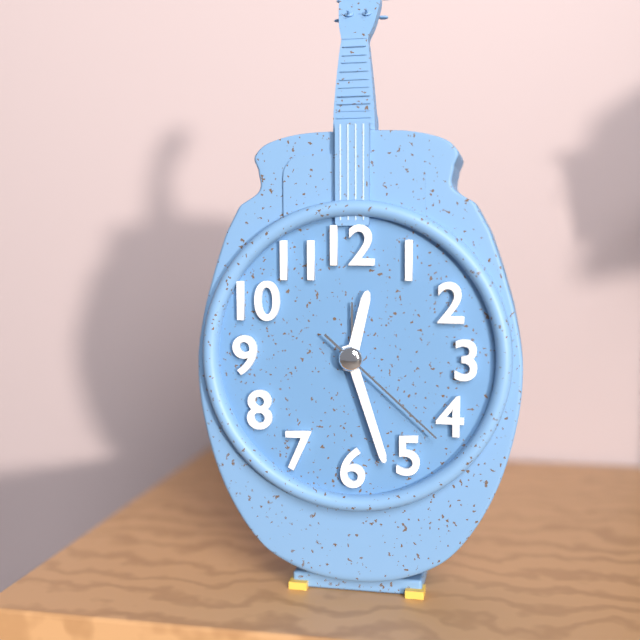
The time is {"hour": 12, "minute": 27, "second": 22}
